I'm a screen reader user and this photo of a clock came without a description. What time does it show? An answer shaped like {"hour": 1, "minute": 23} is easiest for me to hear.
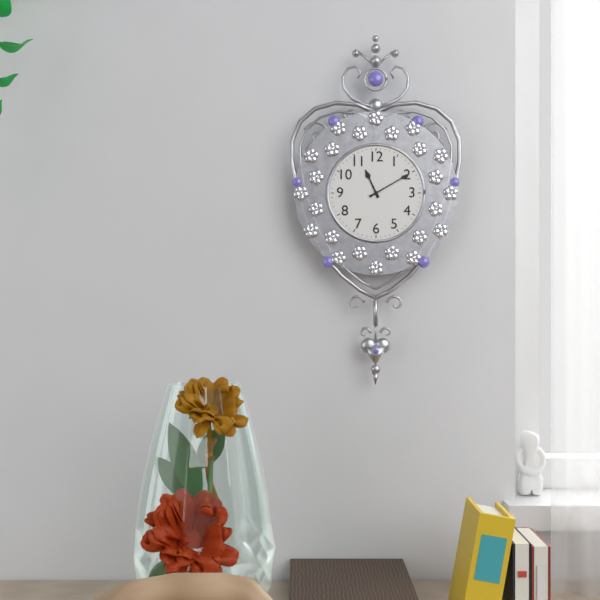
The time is {"hour": 11, "minute": 10}
